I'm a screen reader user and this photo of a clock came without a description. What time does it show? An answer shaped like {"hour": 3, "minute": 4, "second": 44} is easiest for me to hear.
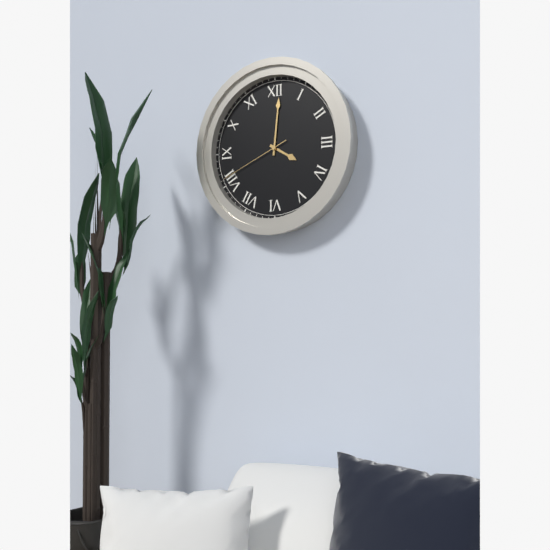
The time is {"hour": 4, "minute": 1, "second": 41}
